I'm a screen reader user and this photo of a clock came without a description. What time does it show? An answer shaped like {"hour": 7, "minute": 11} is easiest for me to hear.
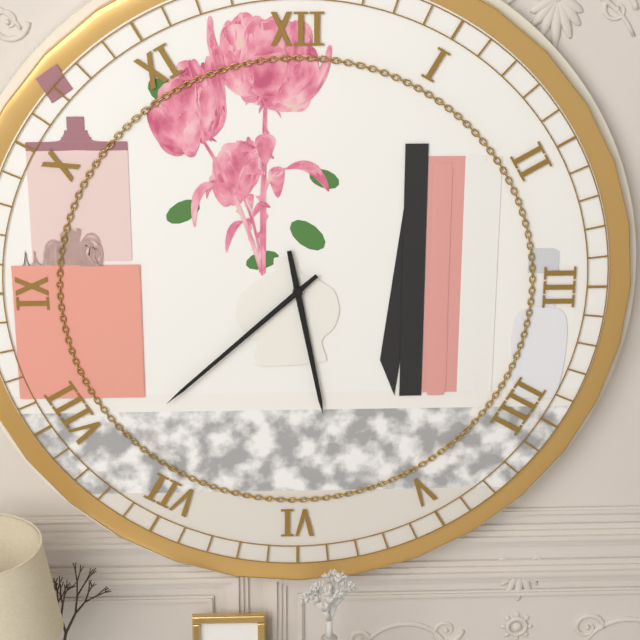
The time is {"hour": 5, "minute": 38}
